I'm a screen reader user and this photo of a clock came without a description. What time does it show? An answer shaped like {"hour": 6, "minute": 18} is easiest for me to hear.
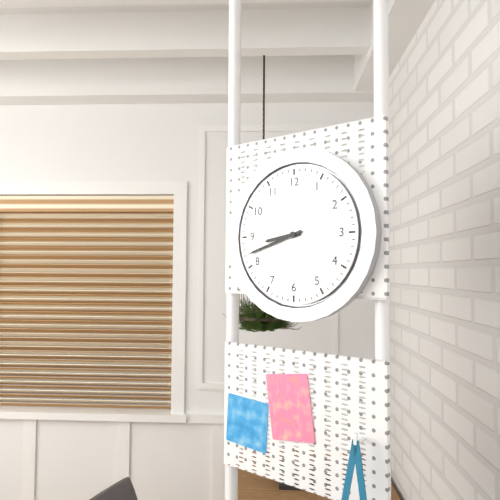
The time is {"hour": 8, "minute": 42}
